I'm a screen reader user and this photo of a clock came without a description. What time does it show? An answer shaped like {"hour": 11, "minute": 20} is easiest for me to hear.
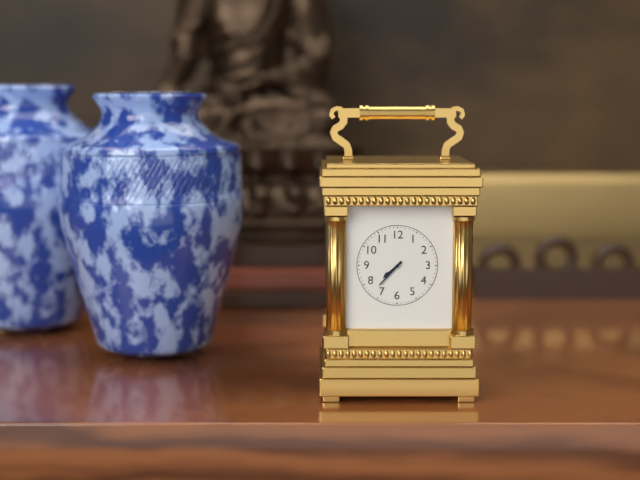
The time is {"hour": 7, "minute": 37}
